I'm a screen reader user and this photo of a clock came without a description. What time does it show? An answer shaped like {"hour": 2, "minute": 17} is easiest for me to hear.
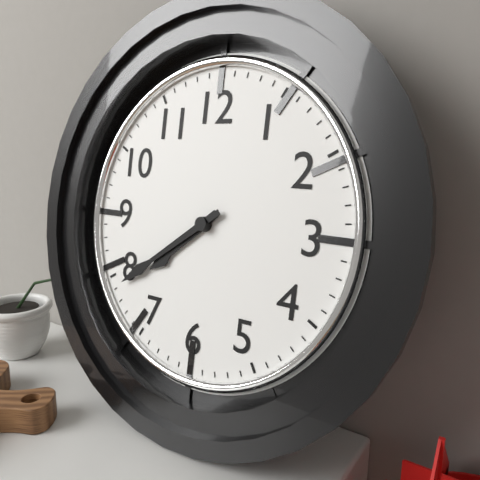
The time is {"hour": 7, "minute": 39}
